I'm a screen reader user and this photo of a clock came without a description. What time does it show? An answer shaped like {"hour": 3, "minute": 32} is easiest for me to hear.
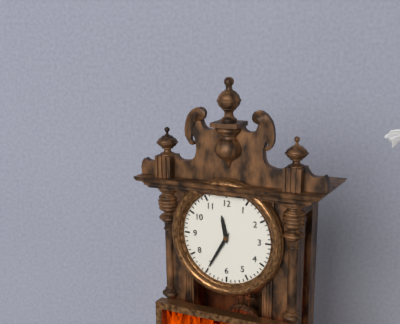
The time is {"hour": 11, "minute": 35}
